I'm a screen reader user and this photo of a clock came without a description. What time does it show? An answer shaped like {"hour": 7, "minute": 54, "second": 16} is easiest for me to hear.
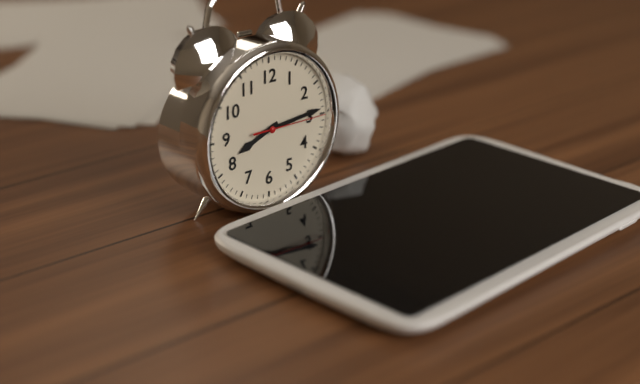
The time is {"hour": 8, "minute": 14, "second": 15}
